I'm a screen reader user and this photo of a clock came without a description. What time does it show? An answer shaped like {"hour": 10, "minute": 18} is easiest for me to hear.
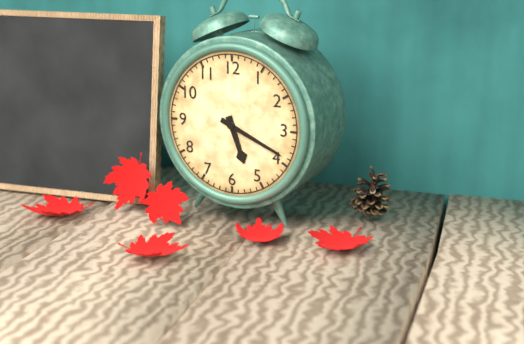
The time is {"hour": 5, "minute": 19}
